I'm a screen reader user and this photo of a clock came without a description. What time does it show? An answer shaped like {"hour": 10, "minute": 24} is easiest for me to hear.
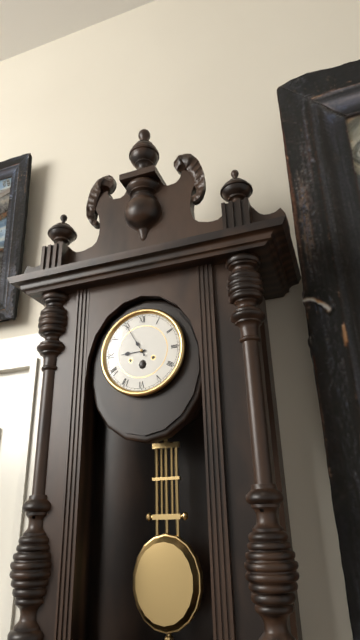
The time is {"hour": 8, "minute": 55}
